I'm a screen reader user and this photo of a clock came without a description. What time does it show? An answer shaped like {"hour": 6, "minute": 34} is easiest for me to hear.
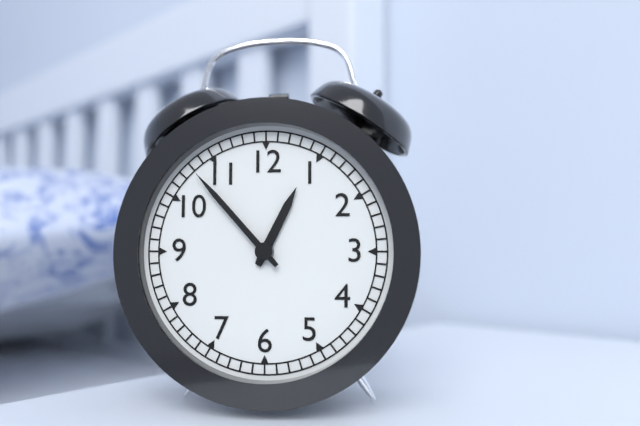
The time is {"hour": 12, "minute": 53}
